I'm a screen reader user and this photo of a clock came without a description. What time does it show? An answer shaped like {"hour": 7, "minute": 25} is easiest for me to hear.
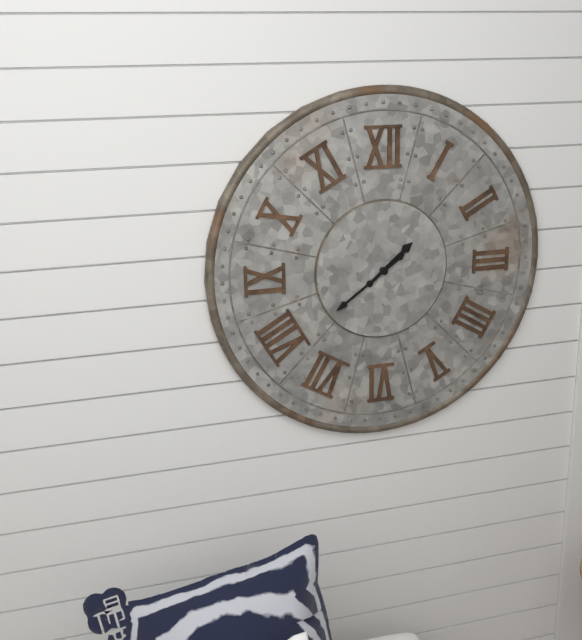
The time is {"hour": 1, "minute": 39}
